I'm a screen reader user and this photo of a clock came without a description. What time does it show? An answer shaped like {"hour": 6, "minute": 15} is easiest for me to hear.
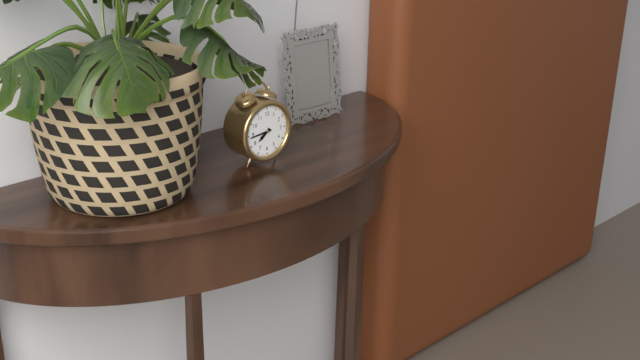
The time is {"hour": 7, "minute": 44}
